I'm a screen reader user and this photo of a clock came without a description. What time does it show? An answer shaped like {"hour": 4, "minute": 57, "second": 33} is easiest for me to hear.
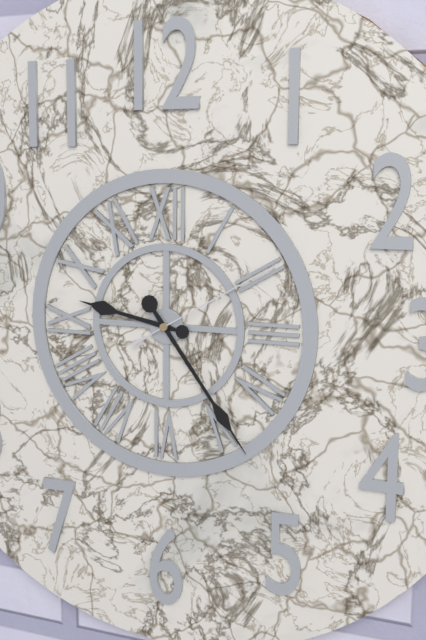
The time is {"hour": 9, "minute": 24, "second": 10}
